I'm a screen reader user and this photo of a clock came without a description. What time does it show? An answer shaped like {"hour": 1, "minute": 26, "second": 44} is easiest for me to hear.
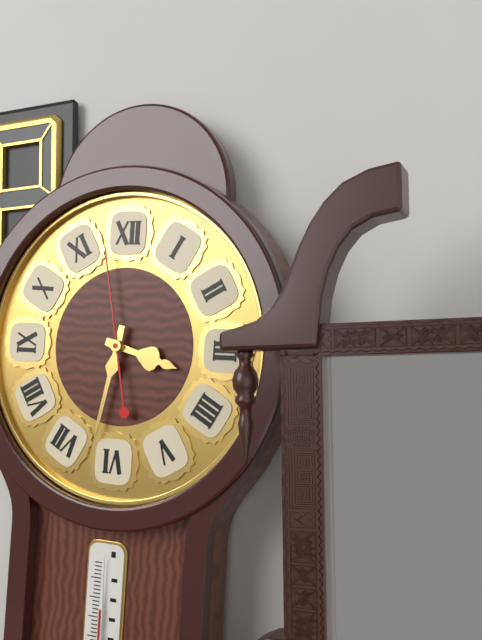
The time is {"hour": 3, "minute": 32, "second": 58}
